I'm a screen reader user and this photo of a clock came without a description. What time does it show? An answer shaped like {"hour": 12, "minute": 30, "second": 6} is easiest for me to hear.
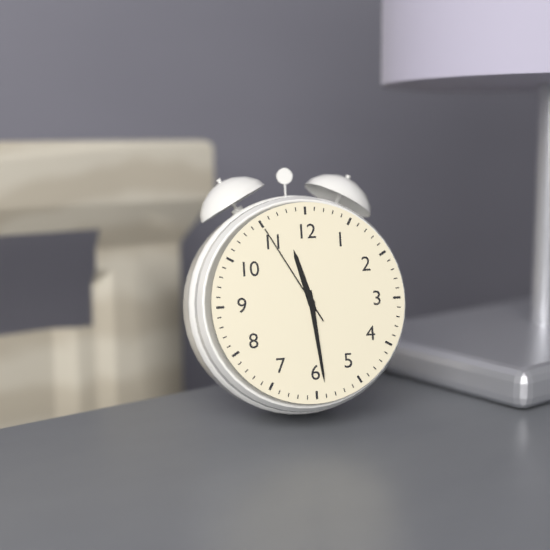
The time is {"hour": 11, "minute": 29, "second": 55}
